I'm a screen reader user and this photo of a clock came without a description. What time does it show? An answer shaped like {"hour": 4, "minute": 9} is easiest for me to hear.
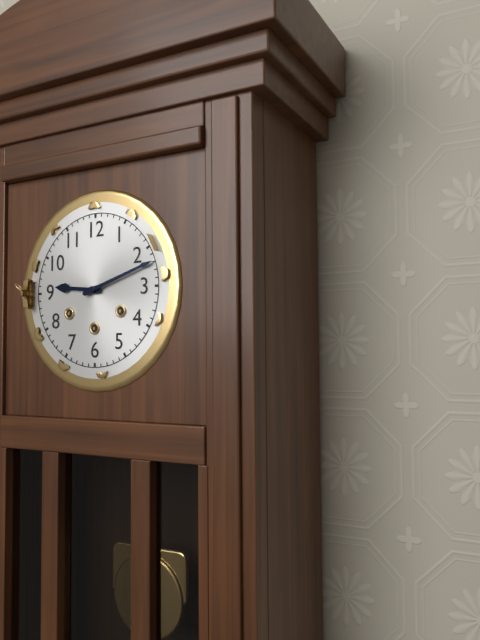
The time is {"hour": 9, "minute": 12}
